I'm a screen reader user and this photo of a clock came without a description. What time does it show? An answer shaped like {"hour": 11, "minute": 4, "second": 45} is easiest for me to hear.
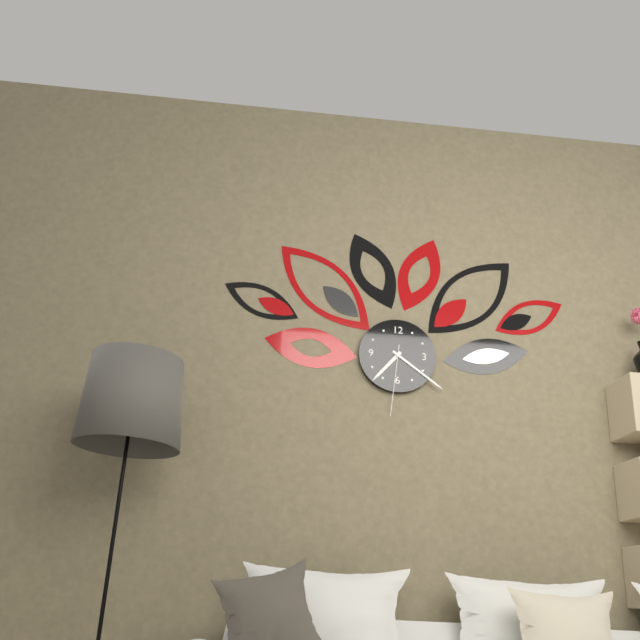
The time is {"hour": 7, "minute": 21, "second": 31}
